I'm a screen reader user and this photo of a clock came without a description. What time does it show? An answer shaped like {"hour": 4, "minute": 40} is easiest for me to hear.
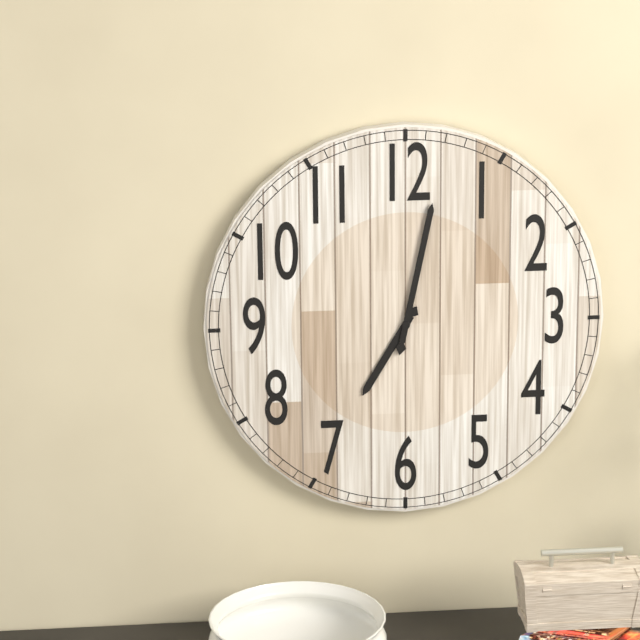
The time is {"hour": 7, "minute": 2}
